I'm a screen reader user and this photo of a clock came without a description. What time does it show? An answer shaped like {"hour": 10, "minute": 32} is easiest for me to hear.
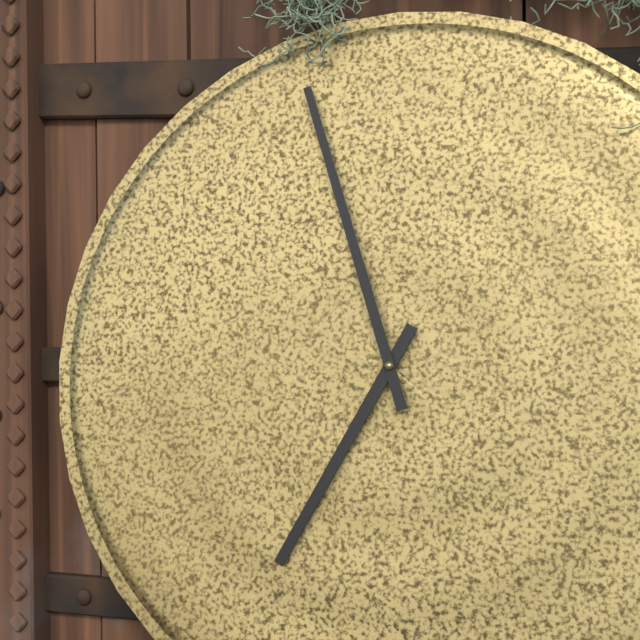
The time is {"hour": 6, "minute": 57}
